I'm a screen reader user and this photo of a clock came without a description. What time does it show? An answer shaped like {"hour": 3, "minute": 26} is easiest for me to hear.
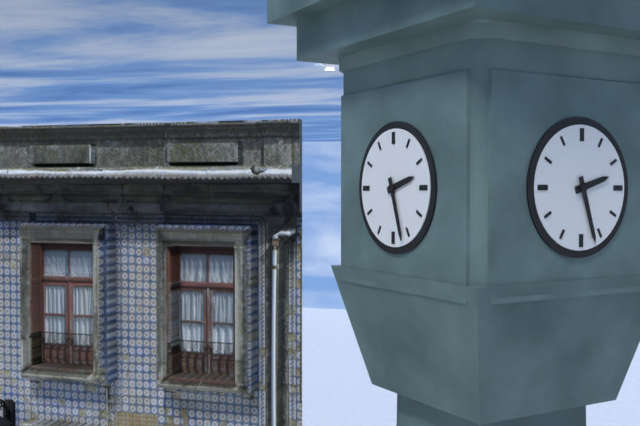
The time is {"hour": 2, "minute": 27}
